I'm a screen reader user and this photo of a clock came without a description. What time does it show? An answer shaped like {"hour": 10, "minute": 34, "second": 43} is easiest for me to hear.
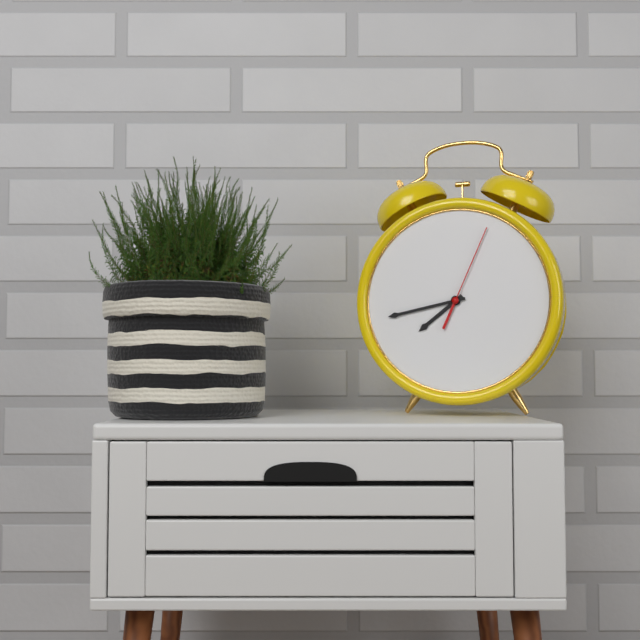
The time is {"hour": 7, "minute": 43, "second": 4}
